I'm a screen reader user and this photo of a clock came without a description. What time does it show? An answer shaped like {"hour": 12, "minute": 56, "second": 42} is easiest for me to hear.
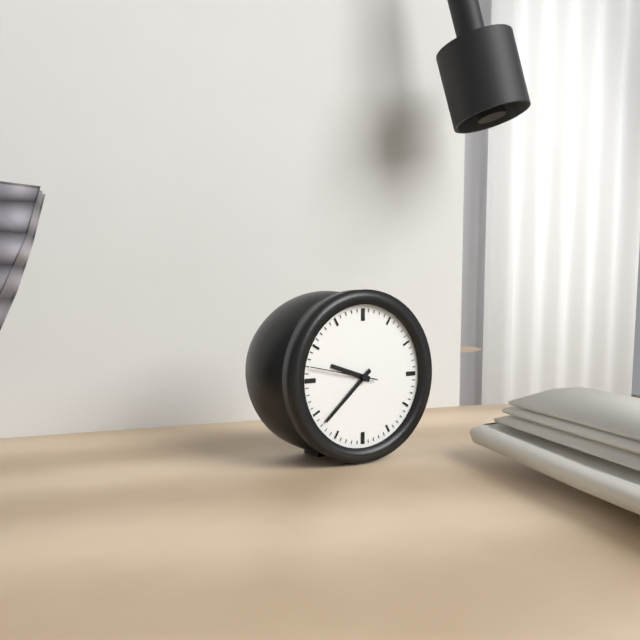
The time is {"hour": 9, "minute": 38, "second": 47}
